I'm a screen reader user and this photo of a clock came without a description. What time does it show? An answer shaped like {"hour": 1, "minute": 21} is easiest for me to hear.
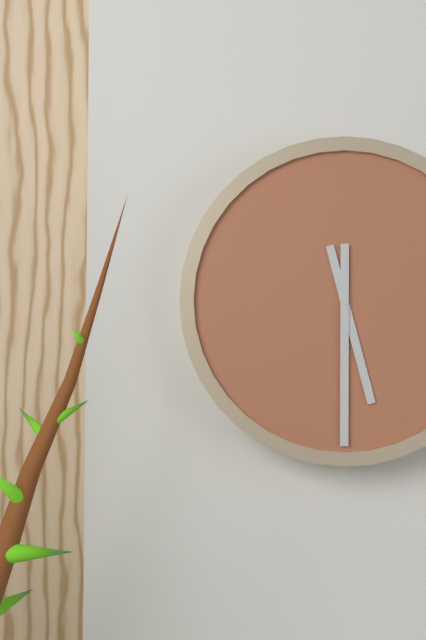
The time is {"hour": 5, "minute": 30}
